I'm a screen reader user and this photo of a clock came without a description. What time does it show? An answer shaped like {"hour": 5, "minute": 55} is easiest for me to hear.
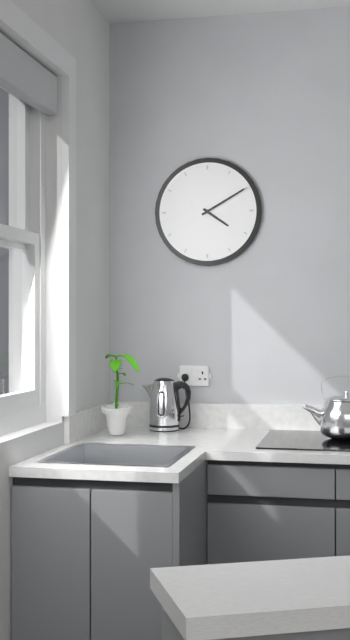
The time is {"hour": 4, "minute": 10}
